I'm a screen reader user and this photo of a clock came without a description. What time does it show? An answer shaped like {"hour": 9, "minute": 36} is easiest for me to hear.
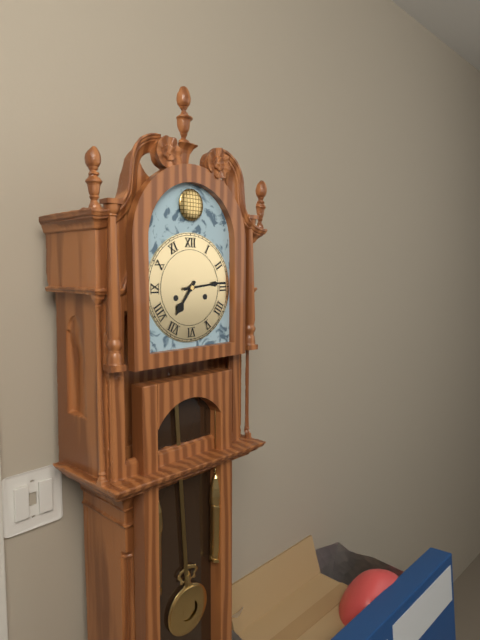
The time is {"hour": 7, "minute": 14}
